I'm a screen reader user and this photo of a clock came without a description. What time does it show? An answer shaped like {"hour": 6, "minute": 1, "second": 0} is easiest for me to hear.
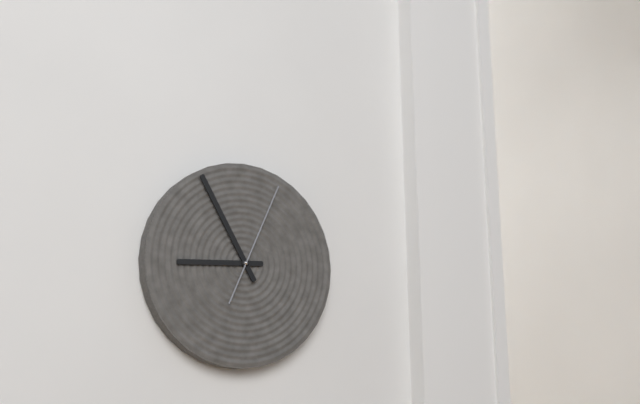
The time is {"hour": 8, "minute": 55, "second": 4}
